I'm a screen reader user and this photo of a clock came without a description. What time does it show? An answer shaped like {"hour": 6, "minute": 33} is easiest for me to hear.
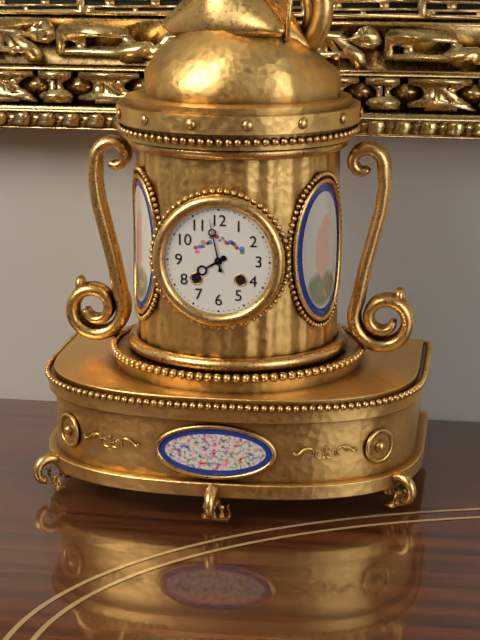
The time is {"hour": 7, "minute": 58}
